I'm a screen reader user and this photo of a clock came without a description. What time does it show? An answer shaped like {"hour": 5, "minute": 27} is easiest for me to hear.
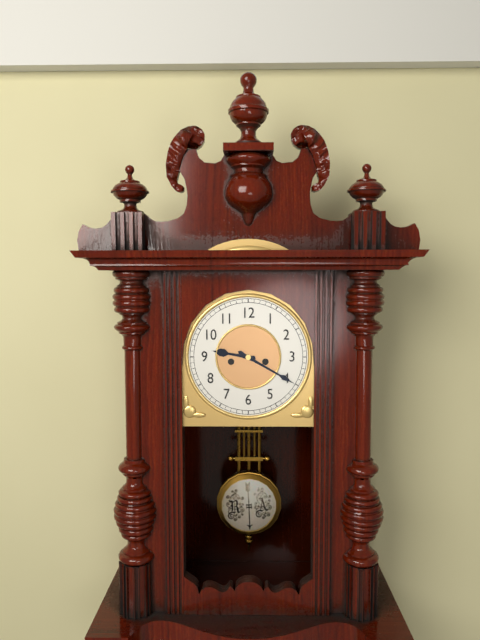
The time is {"hour": 9, "minute": 20}
